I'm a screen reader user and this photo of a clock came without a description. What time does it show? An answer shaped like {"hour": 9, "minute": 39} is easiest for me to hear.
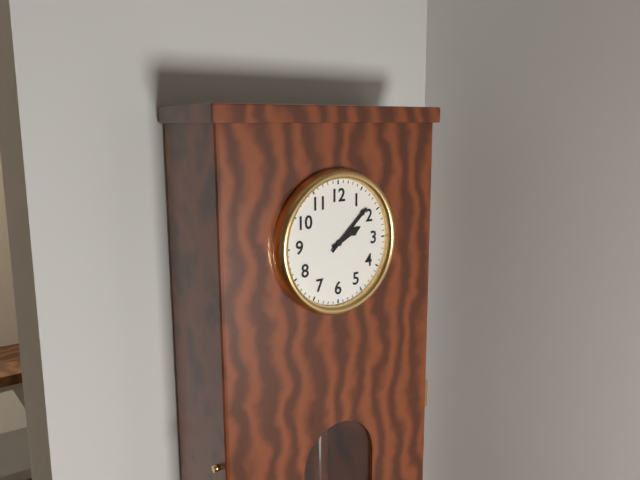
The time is {"hour": 2, "minute": 8}
